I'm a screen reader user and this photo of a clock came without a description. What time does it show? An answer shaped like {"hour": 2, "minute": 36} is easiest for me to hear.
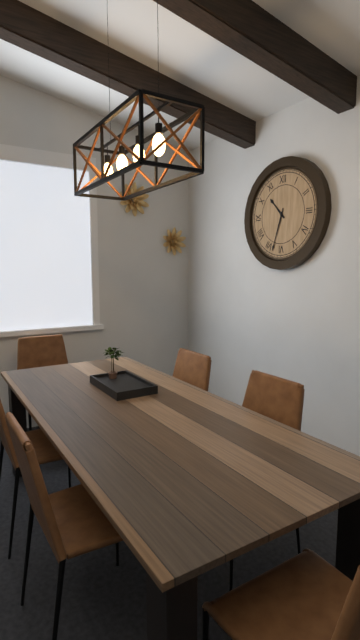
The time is {"hour": 10, "minute": 33}
